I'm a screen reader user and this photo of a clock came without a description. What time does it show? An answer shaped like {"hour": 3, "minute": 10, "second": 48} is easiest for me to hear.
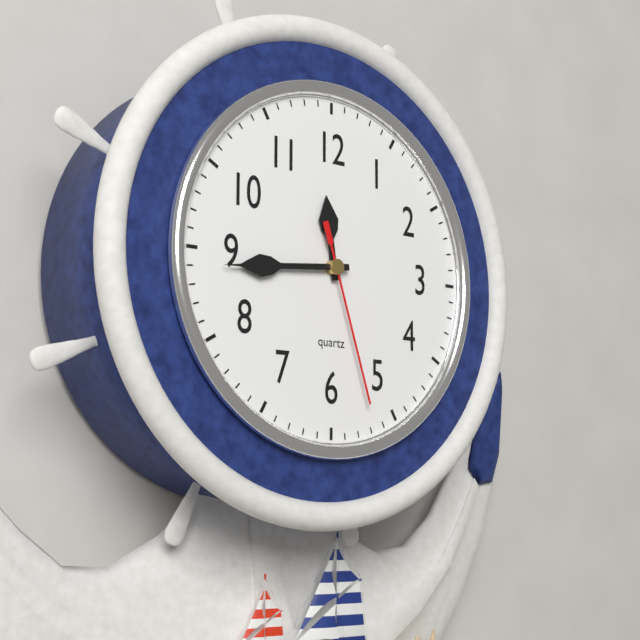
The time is {"hour": 11, "minute": 44, "second": 27}
